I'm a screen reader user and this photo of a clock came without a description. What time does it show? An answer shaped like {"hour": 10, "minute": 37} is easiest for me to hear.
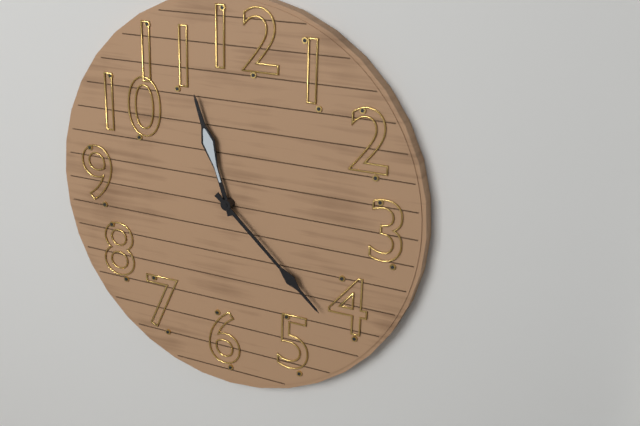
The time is {"hour": 11, "minute": 22}
